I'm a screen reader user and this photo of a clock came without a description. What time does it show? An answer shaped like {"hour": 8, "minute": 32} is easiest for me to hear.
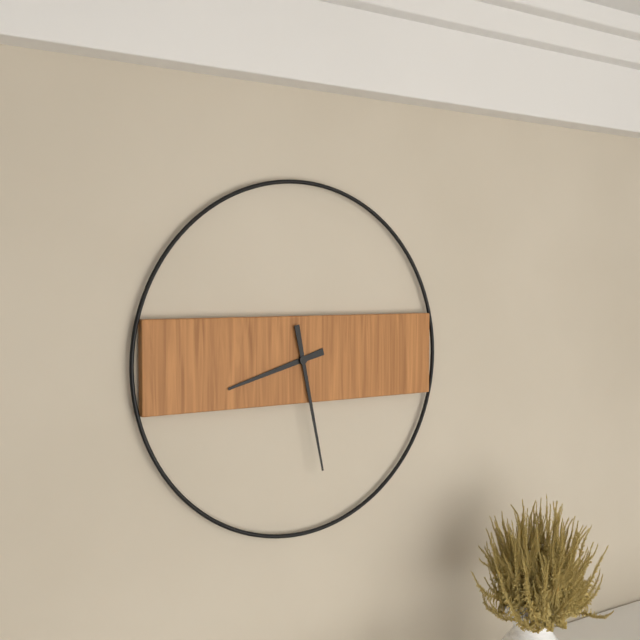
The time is {"hour": 8, "minute": 28}
